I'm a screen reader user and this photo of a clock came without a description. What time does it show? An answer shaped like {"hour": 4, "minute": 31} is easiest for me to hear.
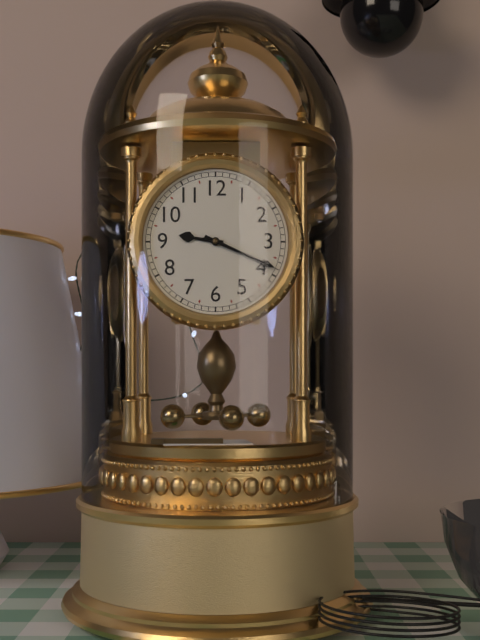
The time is {"hour": 9, "minute": 19}
